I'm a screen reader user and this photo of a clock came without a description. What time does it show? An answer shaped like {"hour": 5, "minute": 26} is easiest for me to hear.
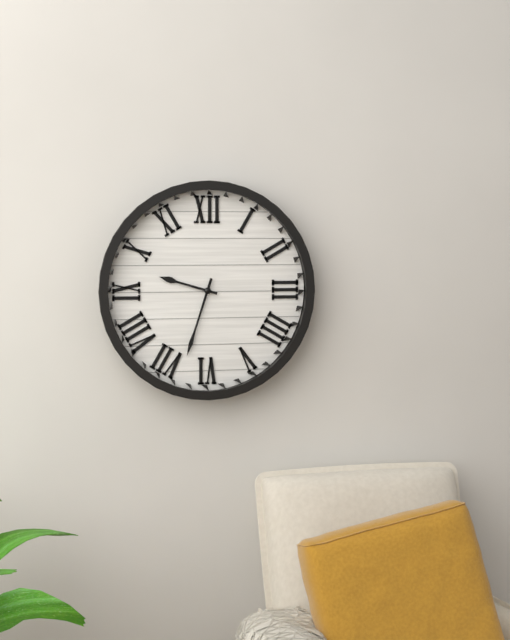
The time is {"hour": 9, "minute": 33}
